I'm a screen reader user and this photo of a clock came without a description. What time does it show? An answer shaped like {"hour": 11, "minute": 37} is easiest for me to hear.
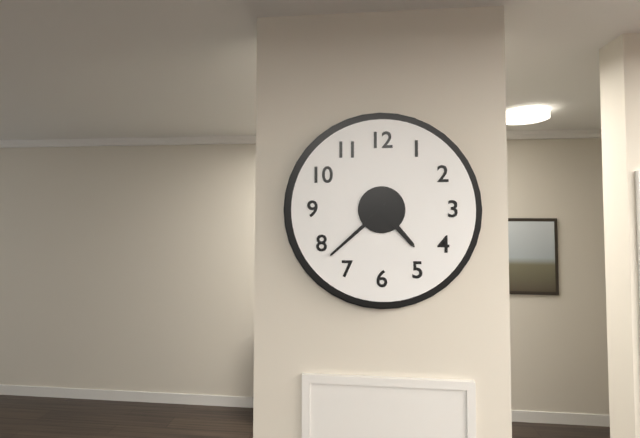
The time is {"hour": 4, "minute": 38}
